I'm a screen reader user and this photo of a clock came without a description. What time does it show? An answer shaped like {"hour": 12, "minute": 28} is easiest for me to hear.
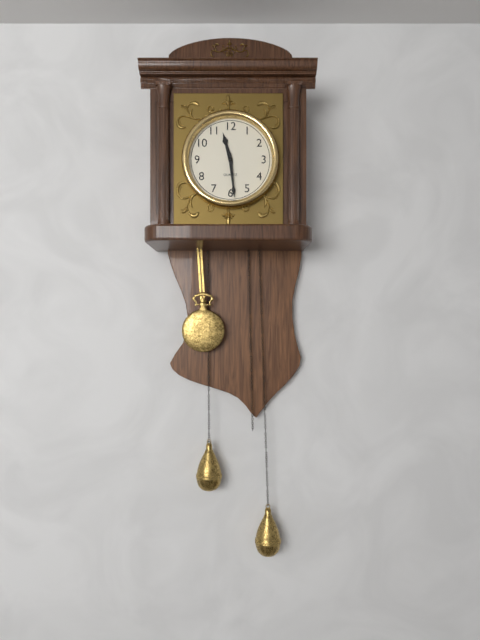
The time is {"hour": 11, "minute": 29}
